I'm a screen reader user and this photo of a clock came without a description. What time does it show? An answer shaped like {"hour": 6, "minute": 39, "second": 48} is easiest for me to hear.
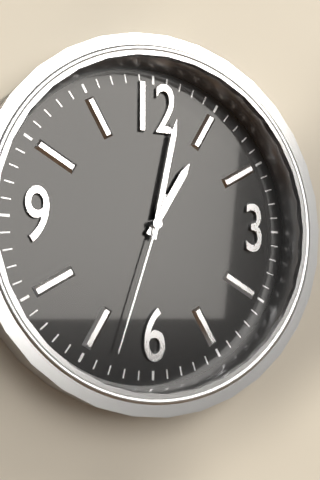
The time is {"hour": 1, "minute": 2, "second": 33}
